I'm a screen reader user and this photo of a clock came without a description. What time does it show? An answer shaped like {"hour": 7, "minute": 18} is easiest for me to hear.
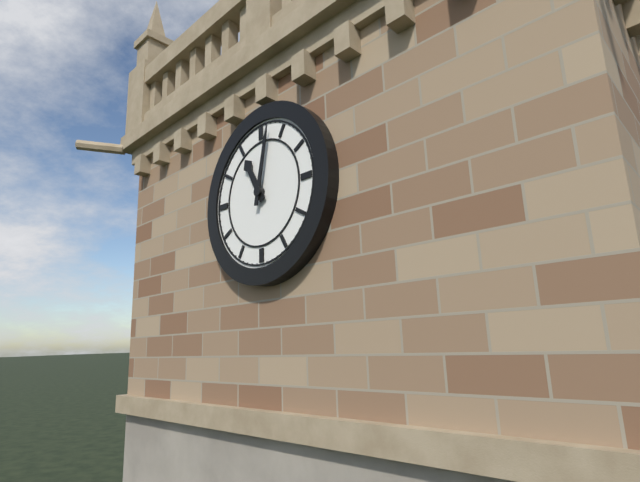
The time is {"hour": 11, "minute": 2}
